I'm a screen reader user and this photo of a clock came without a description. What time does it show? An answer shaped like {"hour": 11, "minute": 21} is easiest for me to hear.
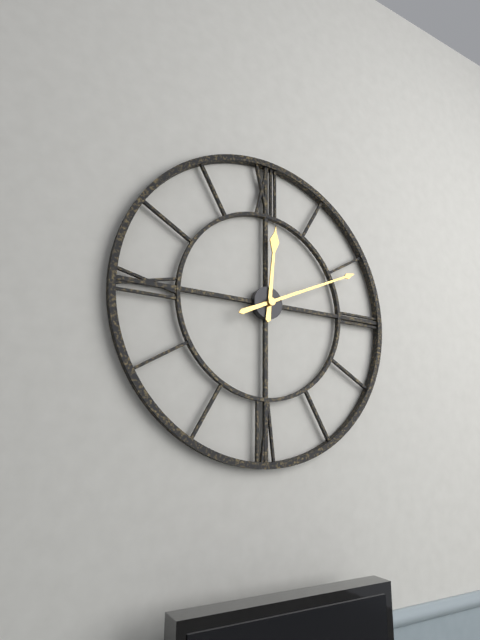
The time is {"hour": 12, "minute": 11}
